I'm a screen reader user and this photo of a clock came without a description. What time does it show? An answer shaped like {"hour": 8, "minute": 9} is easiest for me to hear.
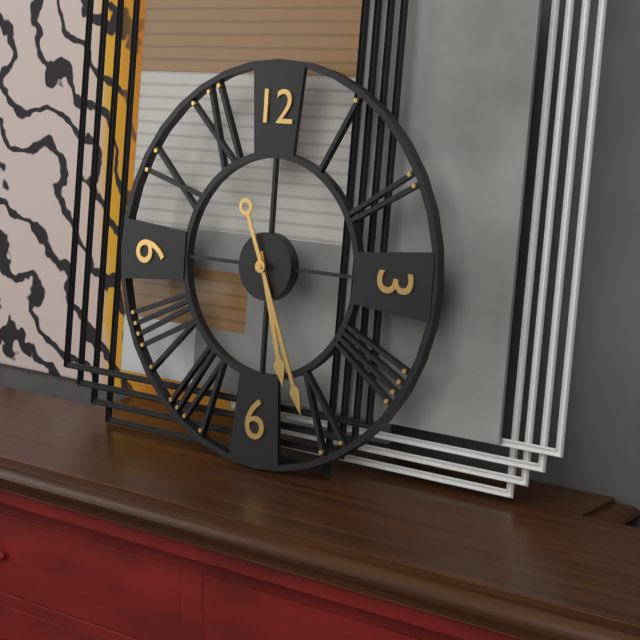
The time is {"hour": 5, "minute": 26}
